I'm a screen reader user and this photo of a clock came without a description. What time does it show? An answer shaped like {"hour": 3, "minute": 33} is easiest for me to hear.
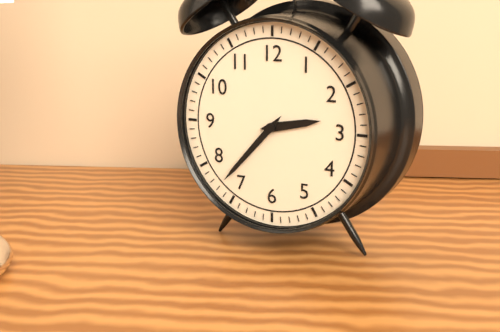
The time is {"hour": 2, "minute": 37}
